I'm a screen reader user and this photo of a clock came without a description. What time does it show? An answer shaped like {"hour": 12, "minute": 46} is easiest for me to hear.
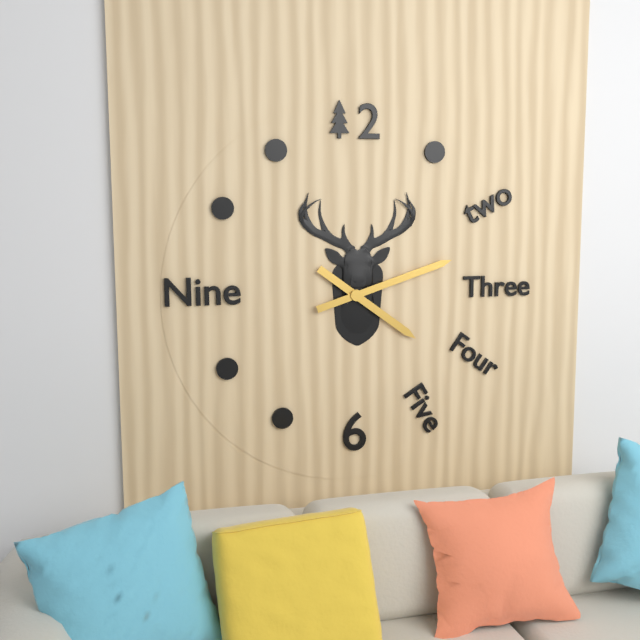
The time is {"hour": 4, "minute": 12}
